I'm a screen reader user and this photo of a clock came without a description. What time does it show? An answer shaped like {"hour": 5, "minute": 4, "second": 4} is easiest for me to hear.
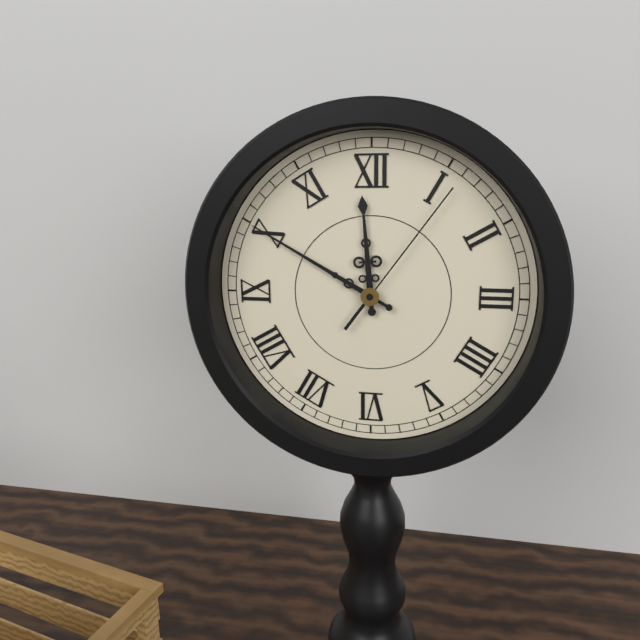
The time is {"hour": 11, "minute": 50, "second": 6}
